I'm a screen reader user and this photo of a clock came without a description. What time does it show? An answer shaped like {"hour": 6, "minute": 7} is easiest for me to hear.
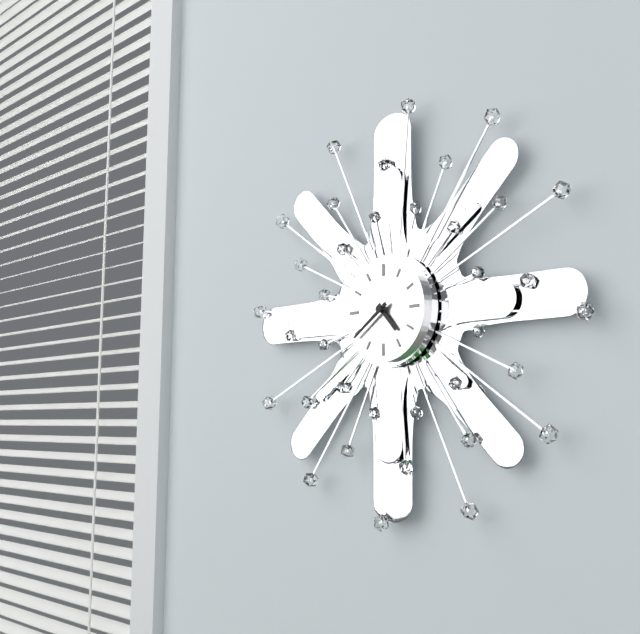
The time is {"hour": 4, "minute": 39}
